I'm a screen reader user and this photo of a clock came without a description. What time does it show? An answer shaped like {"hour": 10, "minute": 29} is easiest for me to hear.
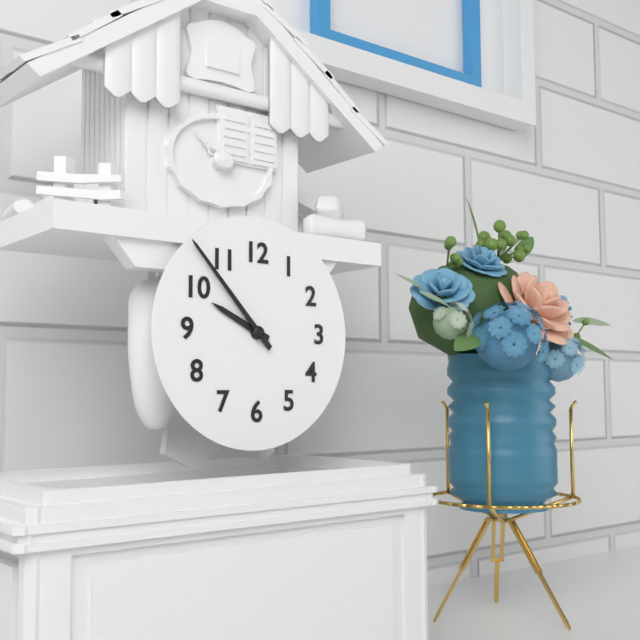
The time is {"hour": 9, "minute": 53}
